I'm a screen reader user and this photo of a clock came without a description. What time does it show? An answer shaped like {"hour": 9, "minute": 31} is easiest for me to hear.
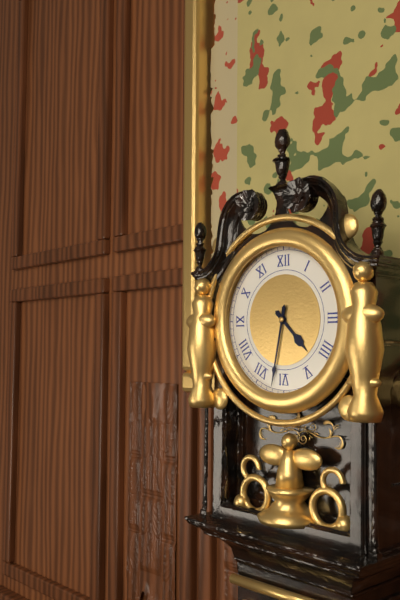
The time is {"hour": 4, "minute": 32}
